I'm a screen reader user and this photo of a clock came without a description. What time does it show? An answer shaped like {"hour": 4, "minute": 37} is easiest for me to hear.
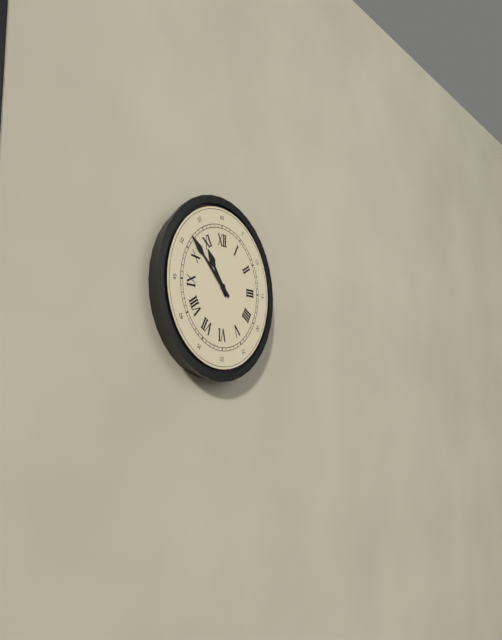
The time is {"hour": 10, "minute": 52}
